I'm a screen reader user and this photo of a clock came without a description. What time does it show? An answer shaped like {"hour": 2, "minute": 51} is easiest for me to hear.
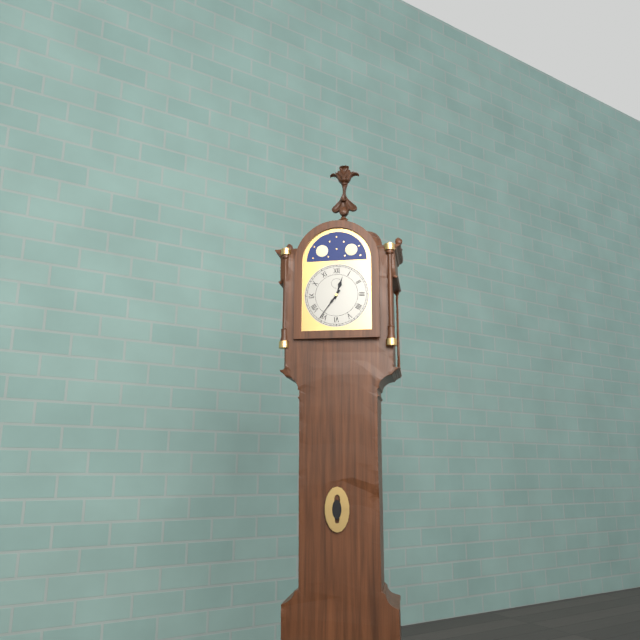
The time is {"hour": 12, "minute": 36}
